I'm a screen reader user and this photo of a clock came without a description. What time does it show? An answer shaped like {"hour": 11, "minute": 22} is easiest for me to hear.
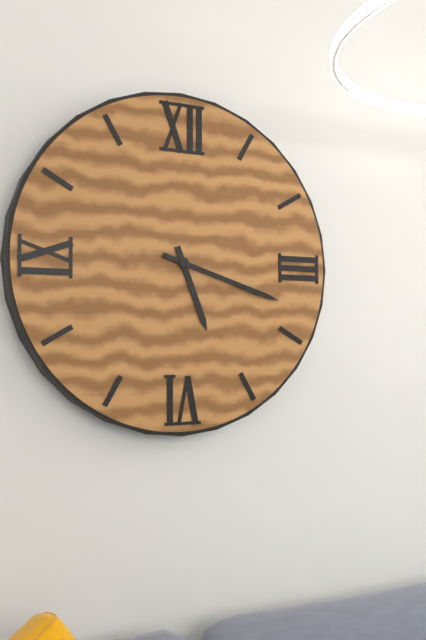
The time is {"hour": 5, "minute": 18}
